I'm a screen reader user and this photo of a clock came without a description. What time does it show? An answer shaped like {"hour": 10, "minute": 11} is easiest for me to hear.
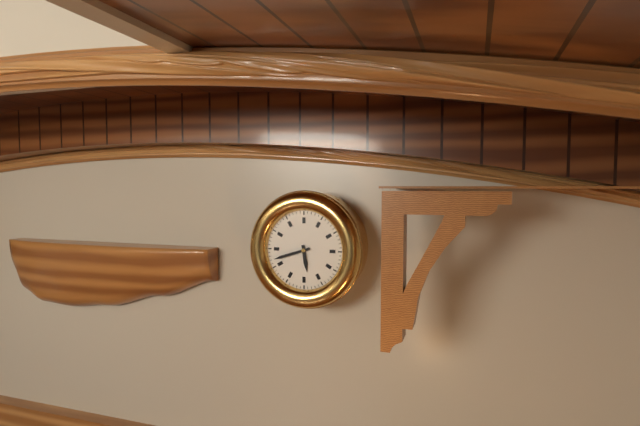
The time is {"hour": 5, "minute": 42}
